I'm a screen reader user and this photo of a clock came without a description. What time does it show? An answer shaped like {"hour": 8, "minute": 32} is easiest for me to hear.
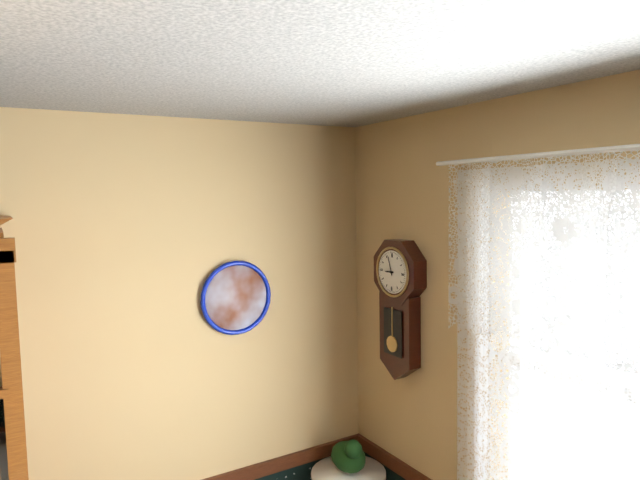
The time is {"hour": 8, "minute": 57}
